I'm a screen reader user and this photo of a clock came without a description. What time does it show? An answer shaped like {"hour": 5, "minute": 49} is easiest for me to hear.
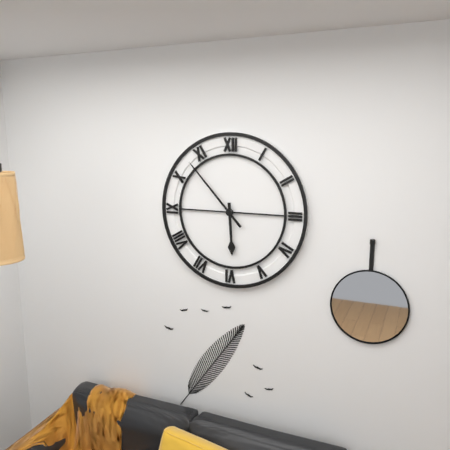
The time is {"hour": 5, "minute": 53}
